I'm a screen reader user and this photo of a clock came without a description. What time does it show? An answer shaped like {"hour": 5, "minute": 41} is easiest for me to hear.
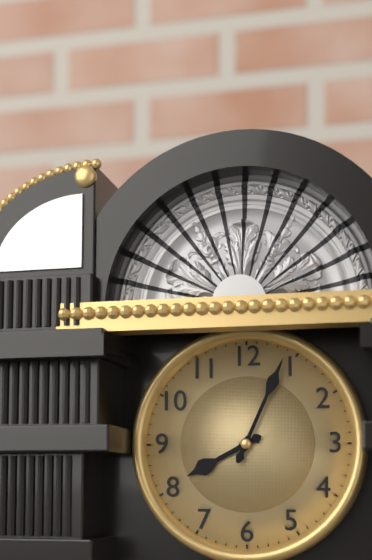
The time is {"hour": 8, "minute": 4}
